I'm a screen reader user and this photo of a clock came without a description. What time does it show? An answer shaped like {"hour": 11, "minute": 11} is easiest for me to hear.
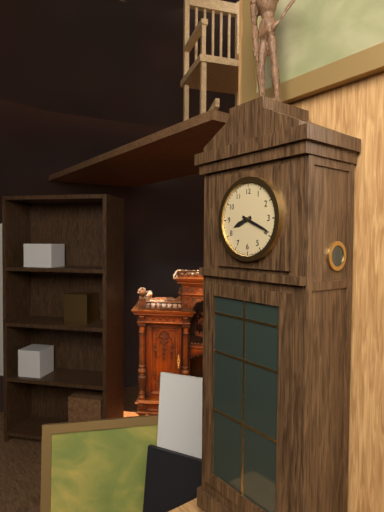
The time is {"hour": 8, "minute": 19}
